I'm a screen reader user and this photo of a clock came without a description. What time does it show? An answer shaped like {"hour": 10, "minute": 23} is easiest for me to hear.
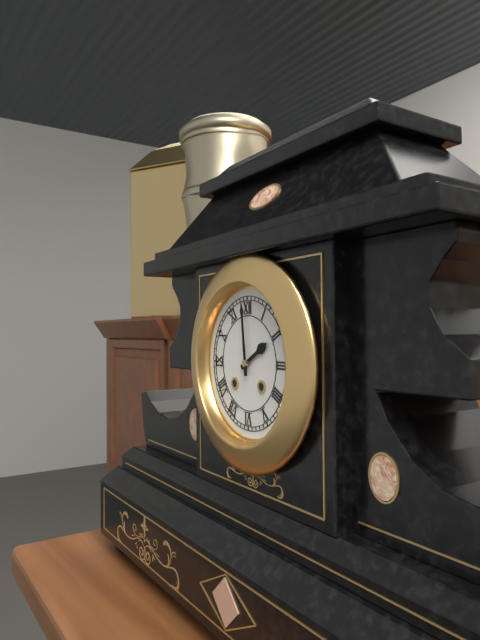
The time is {"hour": 1, "minute": 59}
